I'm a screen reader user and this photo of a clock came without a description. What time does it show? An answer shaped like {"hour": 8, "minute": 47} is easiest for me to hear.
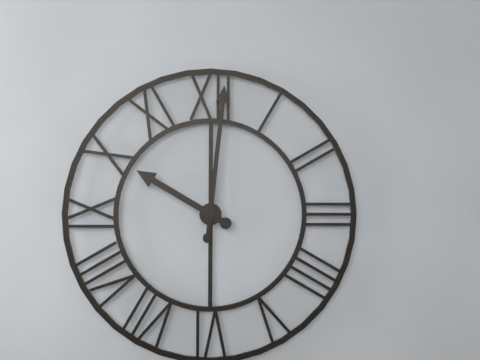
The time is {"hour": 10, "minute": 1}
